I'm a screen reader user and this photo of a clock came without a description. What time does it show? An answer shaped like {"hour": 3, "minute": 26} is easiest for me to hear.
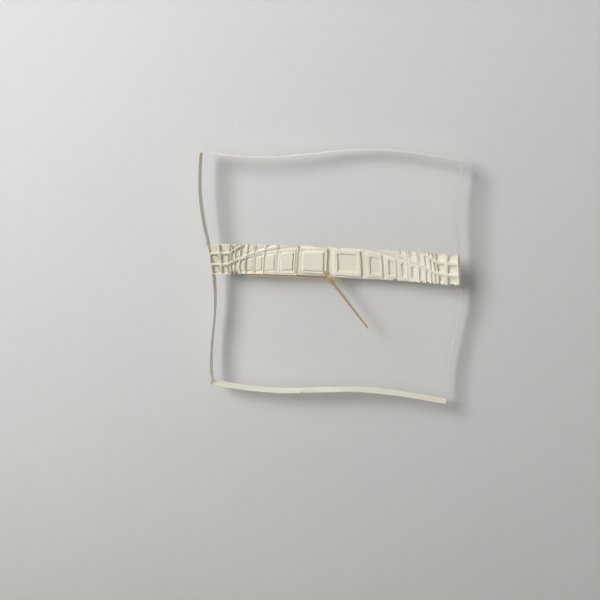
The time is {"hour": 4, "minute": 45}
